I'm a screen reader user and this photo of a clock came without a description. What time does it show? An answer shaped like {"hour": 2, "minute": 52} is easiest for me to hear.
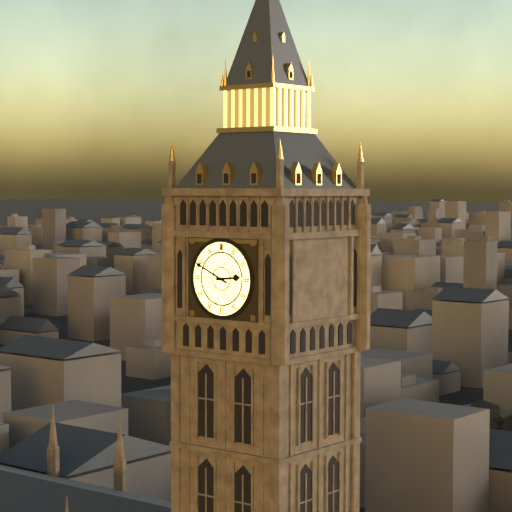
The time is {"hour": 2, "minute": 49}
